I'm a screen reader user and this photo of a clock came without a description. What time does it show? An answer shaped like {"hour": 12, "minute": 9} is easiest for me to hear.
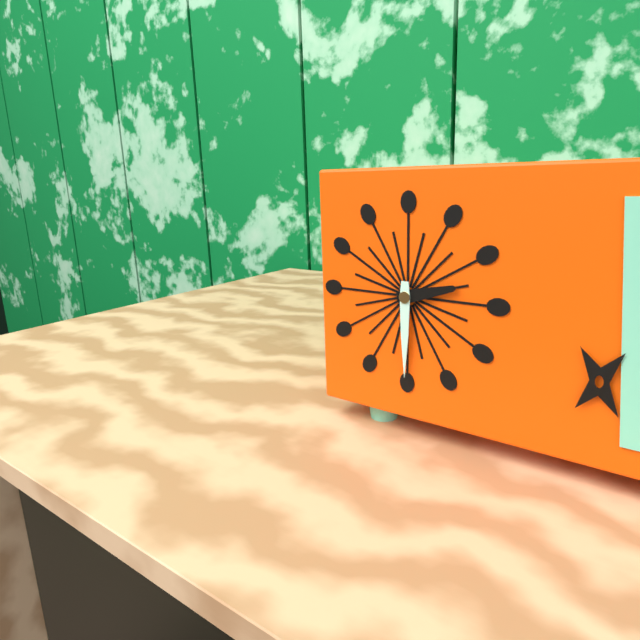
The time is {"hour": 2, "minute": 30}
